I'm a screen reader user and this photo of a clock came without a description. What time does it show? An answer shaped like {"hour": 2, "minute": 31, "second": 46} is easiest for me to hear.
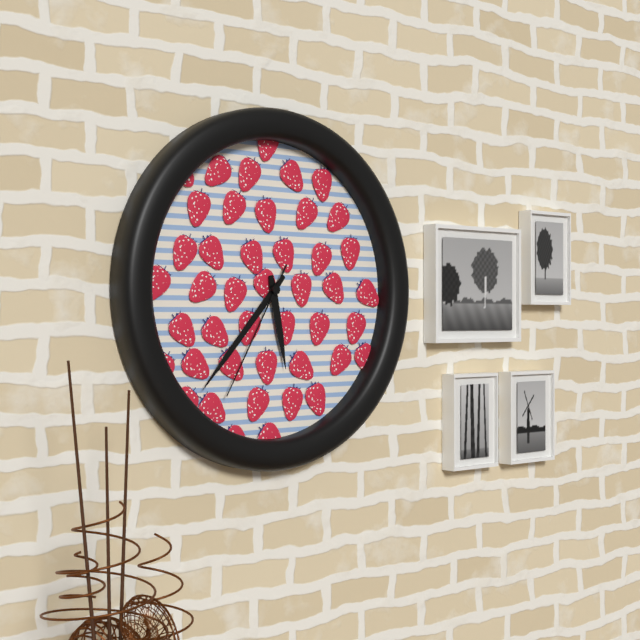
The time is {"hour": 5, "minute": 37, "second": 35}
